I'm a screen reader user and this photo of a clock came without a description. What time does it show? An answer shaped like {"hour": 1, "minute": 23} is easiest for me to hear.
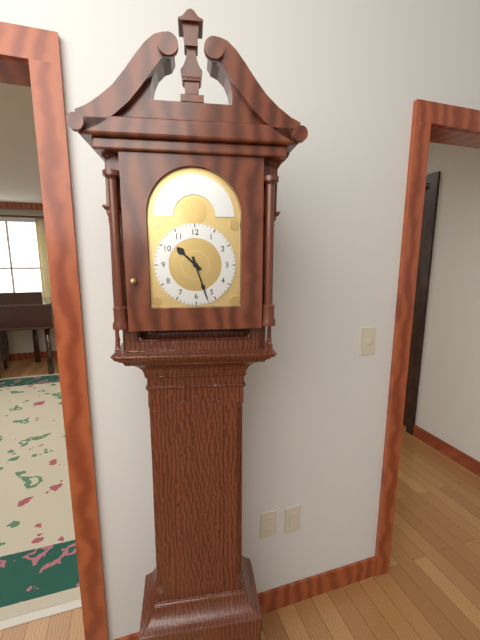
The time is {"hour": 10, "minute": 27}
